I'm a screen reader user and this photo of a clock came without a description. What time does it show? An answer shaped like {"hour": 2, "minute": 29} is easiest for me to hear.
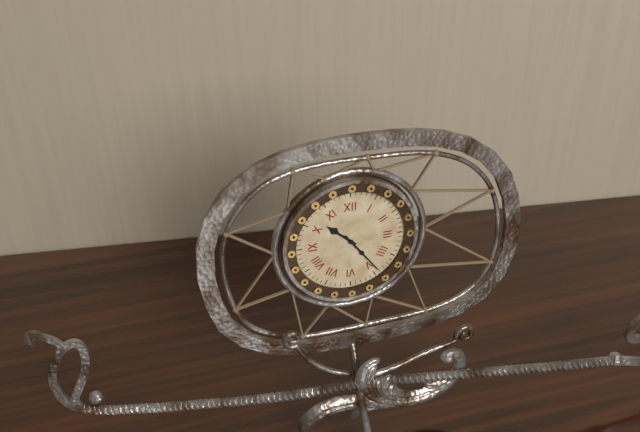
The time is {"hour": 10, "minute": 24}
